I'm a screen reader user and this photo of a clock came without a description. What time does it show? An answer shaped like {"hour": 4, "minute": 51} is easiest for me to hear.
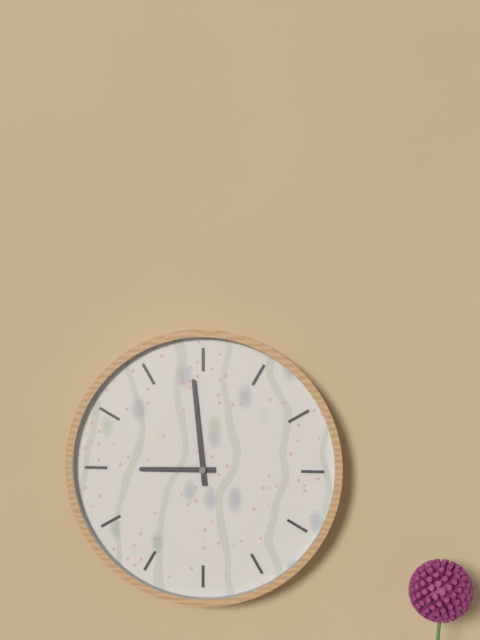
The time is {"hour": 8, "minute": 59}
